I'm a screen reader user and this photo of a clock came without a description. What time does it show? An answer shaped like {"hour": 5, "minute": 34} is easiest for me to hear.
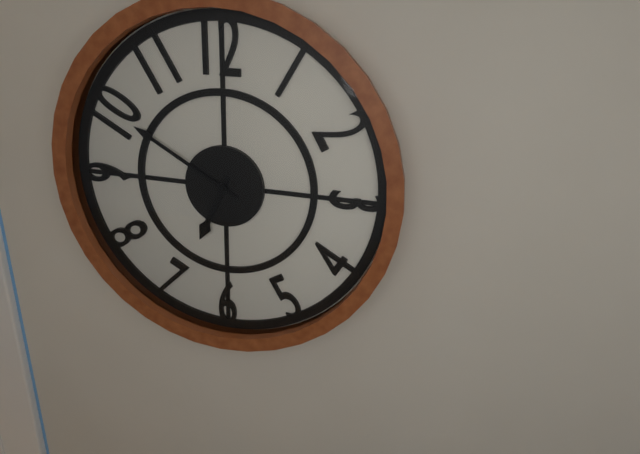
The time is {"hour": 6, "minute": 50}
